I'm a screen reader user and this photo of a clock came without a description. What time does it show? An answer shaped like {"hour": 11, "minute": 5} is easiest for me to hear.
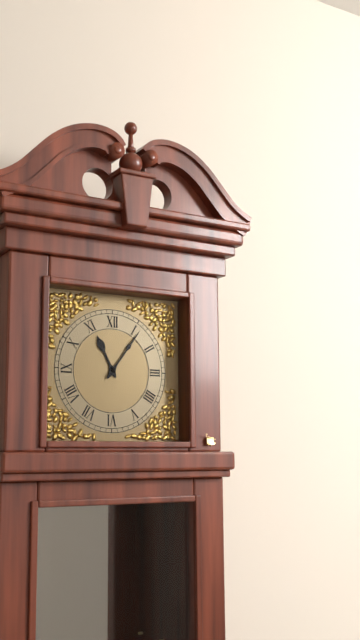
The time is {"hour": 11, "minute": 6}
